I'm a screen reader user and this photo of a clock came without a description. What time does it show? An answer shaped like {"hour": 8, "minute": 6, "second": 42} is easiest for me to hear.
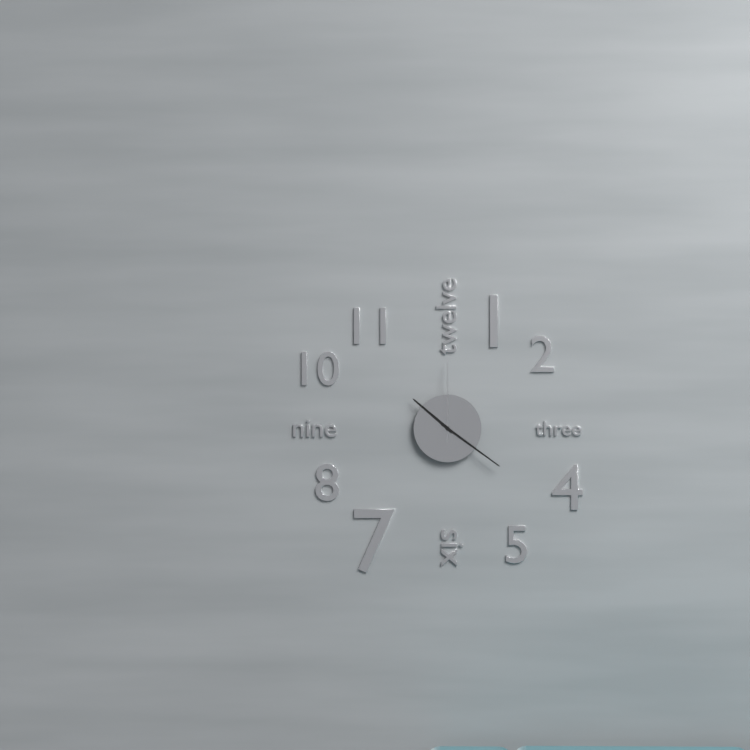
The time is {"hour": 10, "minute": 21, "second": 0}
